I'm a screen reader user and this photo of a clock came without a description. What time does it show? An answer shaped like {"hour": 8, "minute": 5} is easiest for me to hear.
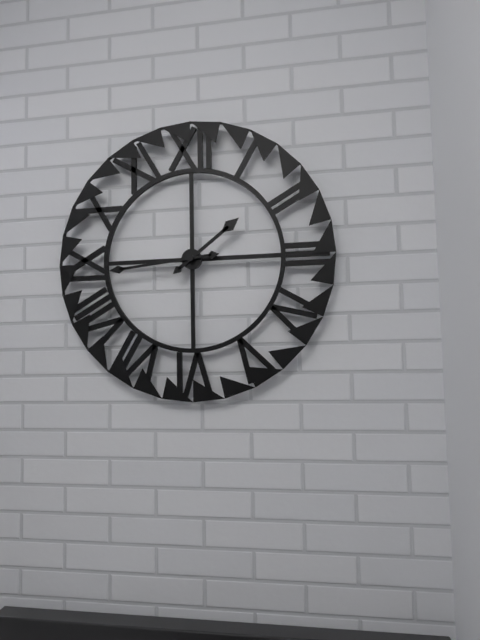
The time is {"hour": 1, "minute": 44}
